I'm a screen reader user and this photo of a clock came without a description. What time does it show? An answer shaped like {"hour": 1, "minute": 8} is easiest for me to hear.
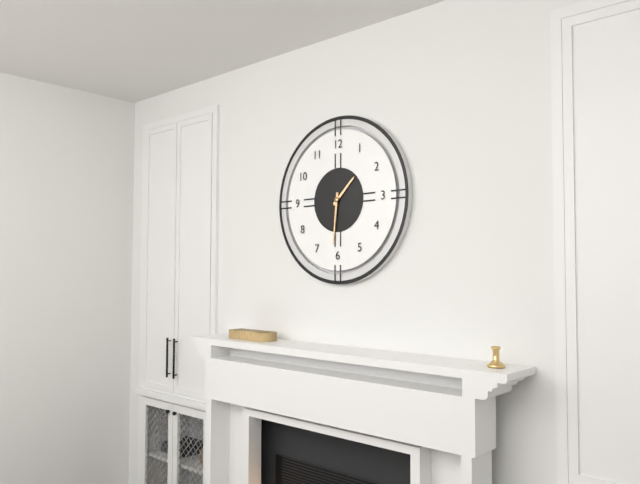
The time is {"hour": 1, "minute": 31}
